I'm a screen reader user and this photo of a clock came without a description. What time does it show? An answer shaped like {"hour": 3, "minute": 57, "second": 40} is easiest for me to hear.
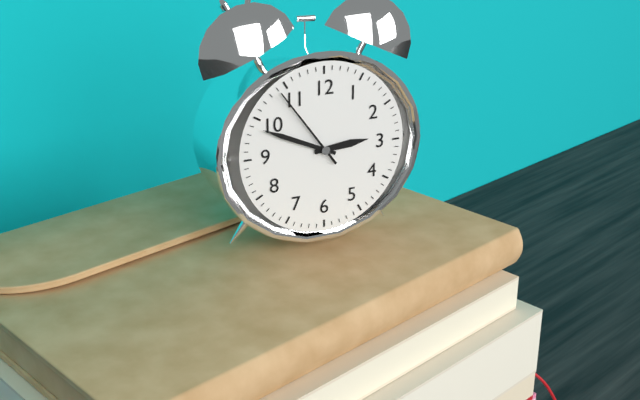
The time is {"hour": 2, "minute": 49, "second": 54}
